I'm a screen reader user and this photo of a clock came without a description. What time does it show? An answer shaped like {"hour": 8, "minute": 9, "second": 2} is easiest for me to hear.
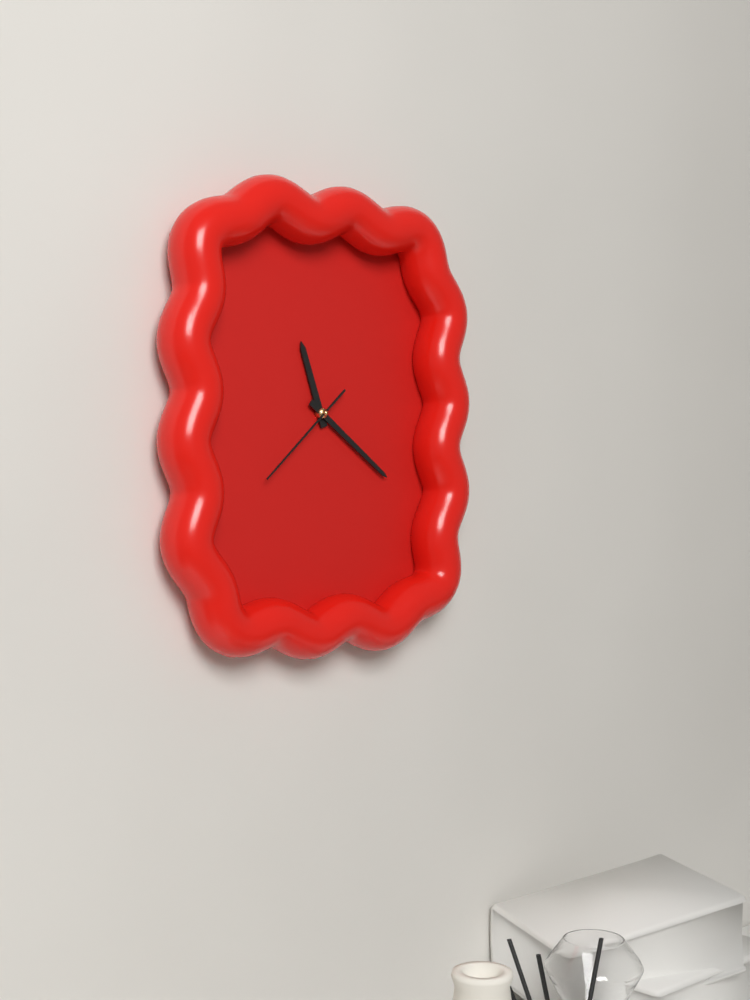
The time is {"hour": 11, "minute": 21, "second": 38}
